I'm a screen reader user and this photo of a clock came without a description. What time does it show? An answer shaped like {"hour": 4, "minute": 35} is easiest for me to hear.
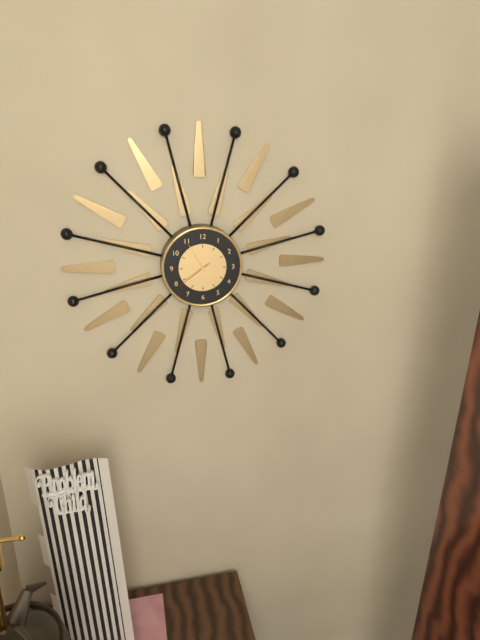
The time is {"hour": 10, "minute": 55}
